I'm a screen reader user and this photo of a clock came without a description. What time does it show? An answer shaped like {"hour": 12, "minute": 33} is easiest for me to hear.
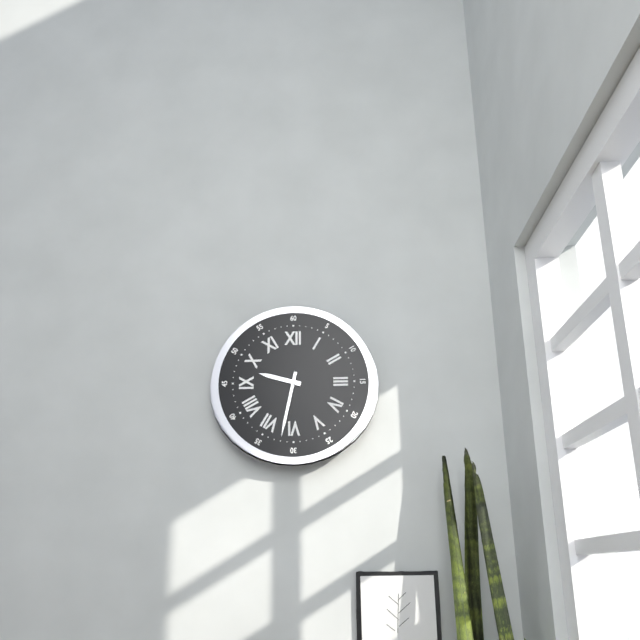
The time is {"hour": 9, "minute": 32}
